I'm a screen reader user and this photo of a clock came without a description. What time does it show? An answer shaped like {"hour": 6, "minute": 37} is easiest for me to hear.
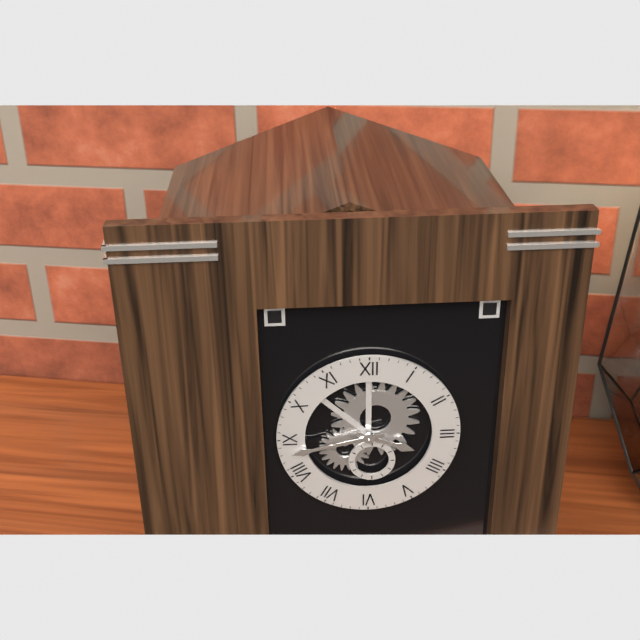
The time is {"hour": 3, "minute": 43}
